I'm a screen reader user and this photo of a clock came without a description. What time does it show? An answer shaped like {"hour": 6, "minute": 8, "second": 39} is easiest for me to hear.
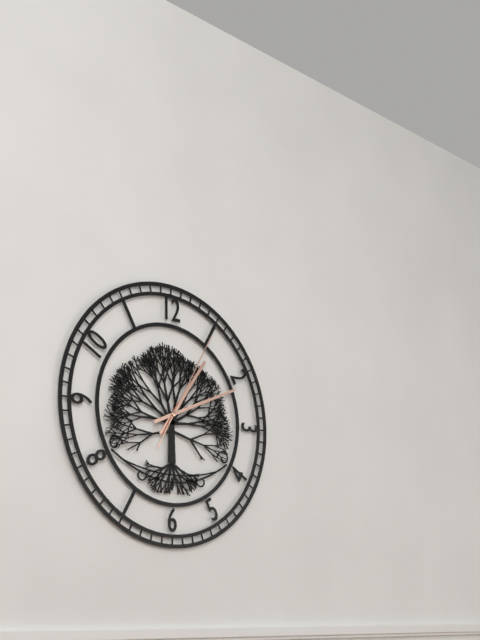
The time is {"hour": 1, "minute": 11, "second": 5}
